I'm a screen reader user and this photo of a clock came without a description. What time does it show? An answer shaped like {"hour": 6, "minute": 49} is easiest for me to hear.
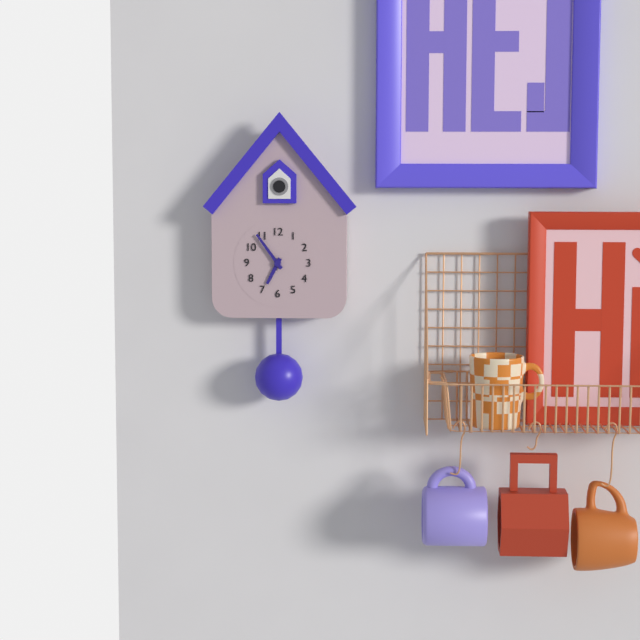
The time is {"hour": 6, "minute": 54}
